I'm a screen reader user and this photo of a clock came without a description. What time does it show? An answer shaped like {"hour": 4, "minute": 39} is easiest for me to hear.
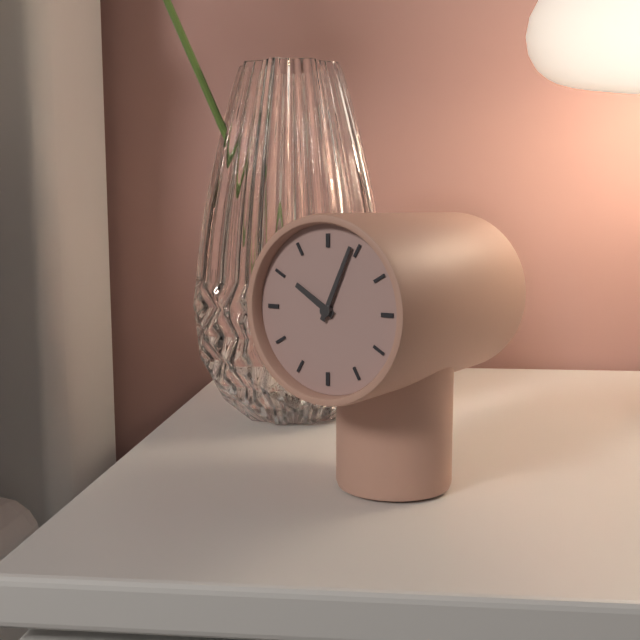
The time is {"hour": 10, "minute": 4}
